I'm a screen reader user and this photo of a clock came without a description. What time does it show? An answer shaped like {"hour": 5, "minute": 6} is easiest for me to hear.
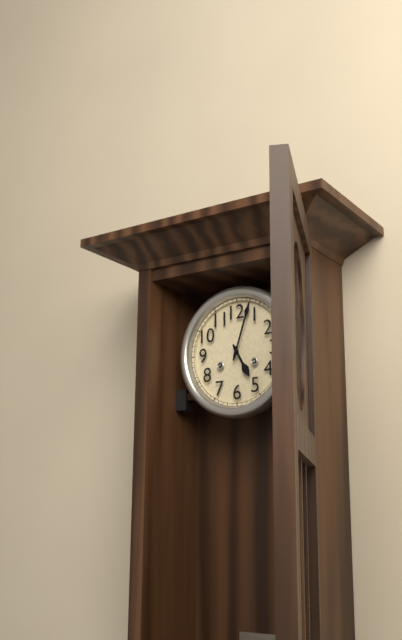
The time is {"hour": 5, "minute": 3}
